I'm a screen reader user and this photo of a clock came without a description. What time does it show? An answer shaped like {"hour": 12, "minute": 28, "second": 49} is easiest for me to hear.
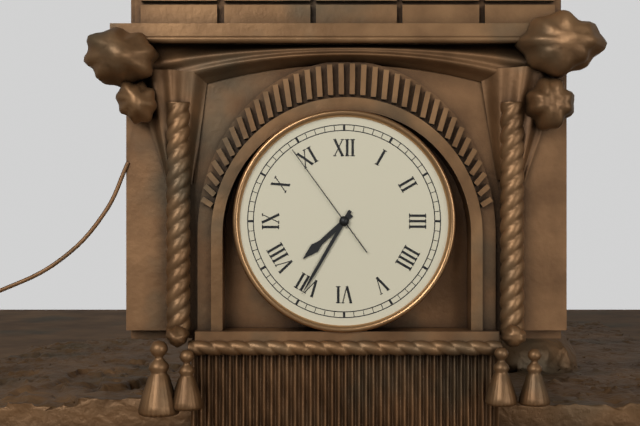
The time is {"hour": 7, "minute": 35, "second": 54}
